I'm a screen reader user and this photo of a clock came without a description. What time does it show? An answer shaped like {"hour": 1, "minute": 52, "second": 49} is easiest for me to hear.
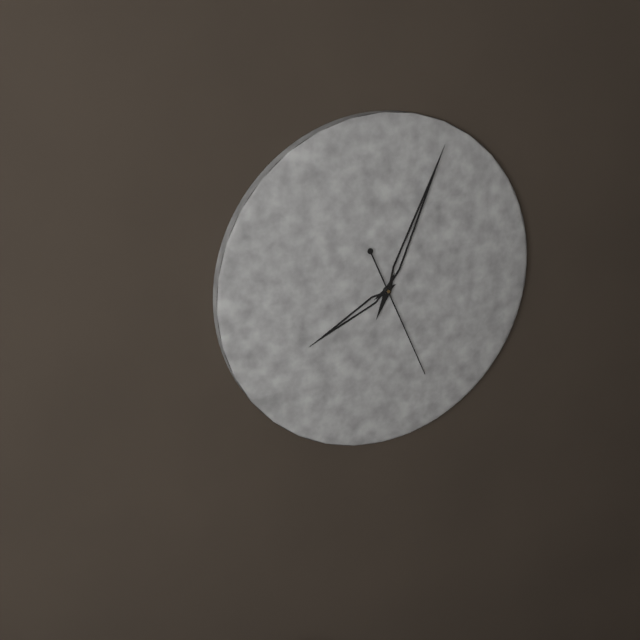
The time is {"hour": 8, "minute": 4, "second": 26}
